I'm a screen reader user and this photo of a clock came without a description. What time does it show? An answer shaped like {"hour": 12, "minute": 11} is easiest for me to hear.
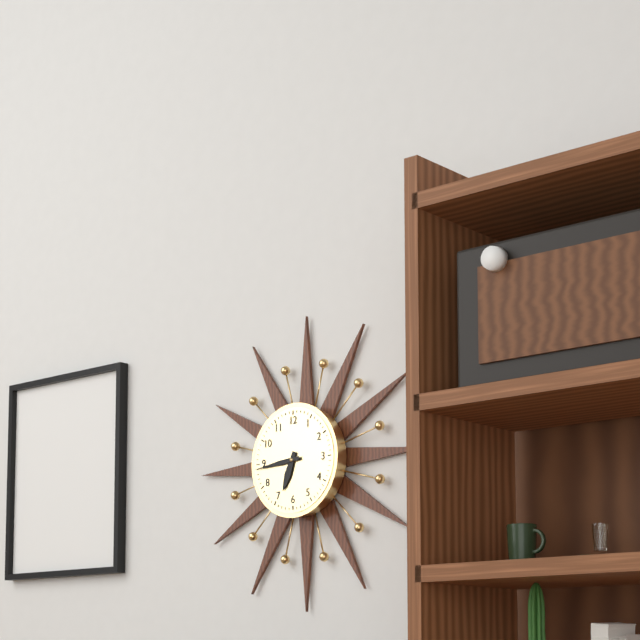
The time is {"hour": 6, "minute": 44}
